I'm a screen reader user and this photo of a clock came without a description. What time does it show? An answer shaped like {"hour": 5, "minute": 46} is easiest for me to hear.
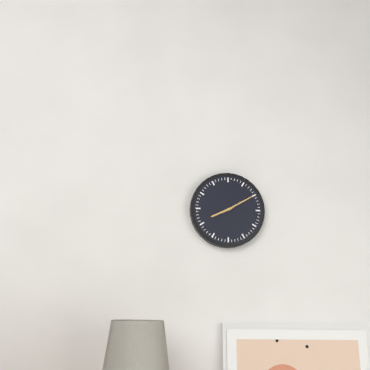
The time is {"hour": 8, "minute": 10}
